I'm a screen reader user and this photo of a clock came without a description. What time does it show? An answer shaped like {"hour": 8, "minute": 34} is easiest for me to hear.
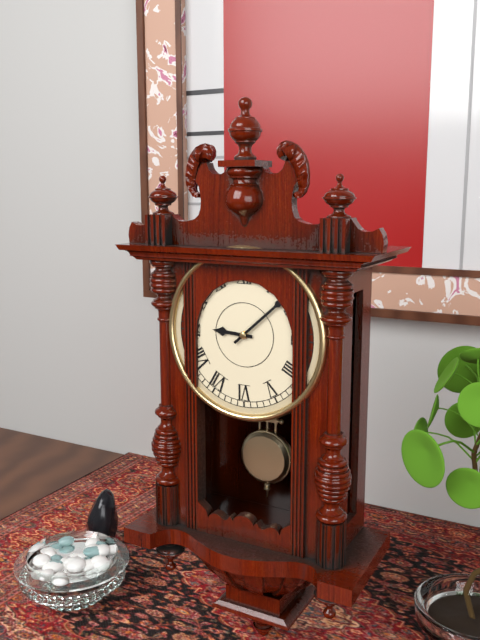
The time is {"hour": 9, "minute": 8}
